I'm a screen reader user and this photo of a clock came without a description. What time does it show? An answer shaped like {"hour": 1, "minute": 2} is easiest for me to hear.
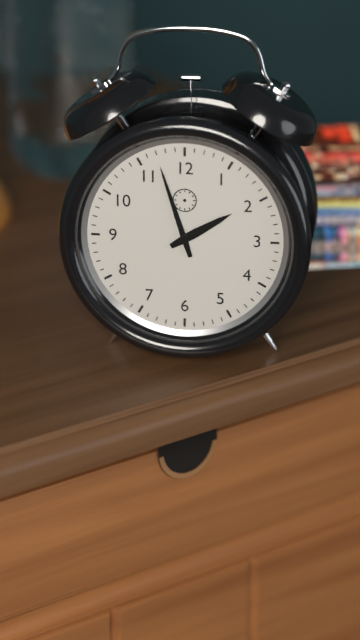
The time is {"hour": 1, "minute": 57}
